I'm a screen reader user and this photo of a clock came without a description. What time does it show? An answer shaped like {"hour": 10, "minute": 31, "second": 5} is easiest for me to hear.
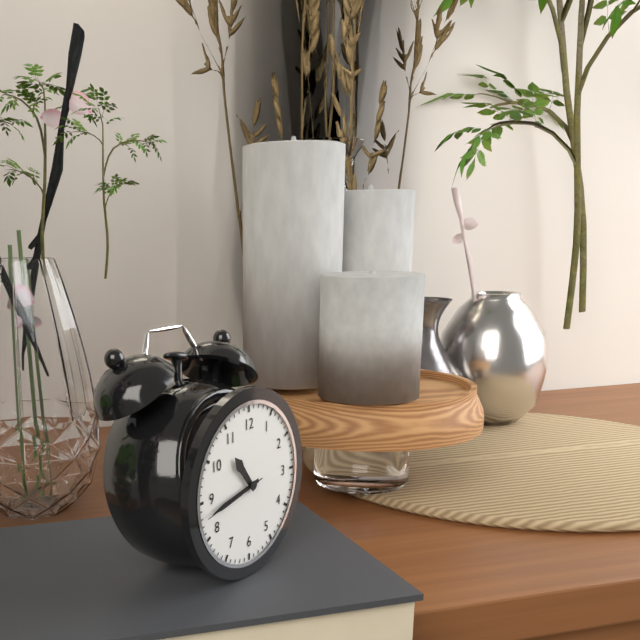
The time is {"hour": 10, "minute": 43, "second": 43}
